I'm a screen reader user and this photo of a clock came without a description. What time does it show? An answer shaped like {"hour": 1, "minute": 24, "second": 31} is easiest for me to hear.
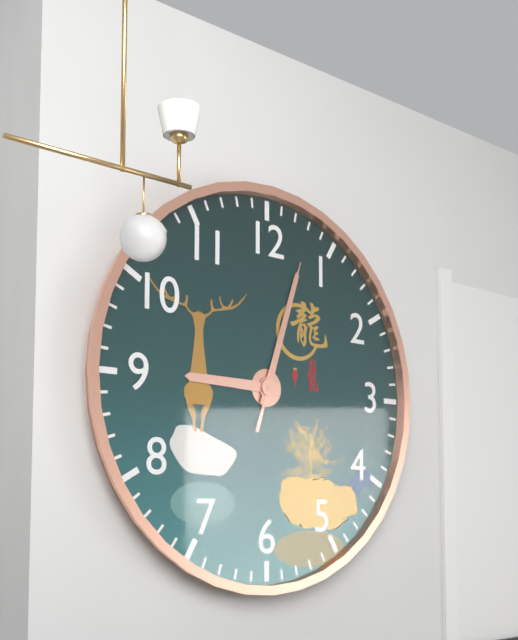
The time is {"hour": 9, "minute": 3, "second": 3}
